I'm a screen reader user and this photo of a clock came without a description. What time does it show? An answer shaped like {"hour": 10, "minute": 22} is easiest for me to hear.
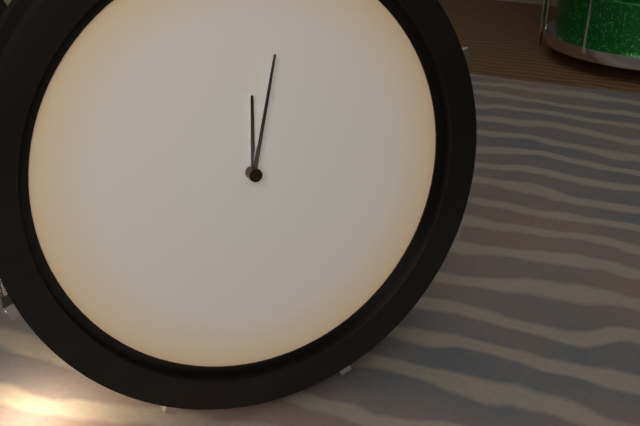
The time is {"hour": 12, "minute": 2}
